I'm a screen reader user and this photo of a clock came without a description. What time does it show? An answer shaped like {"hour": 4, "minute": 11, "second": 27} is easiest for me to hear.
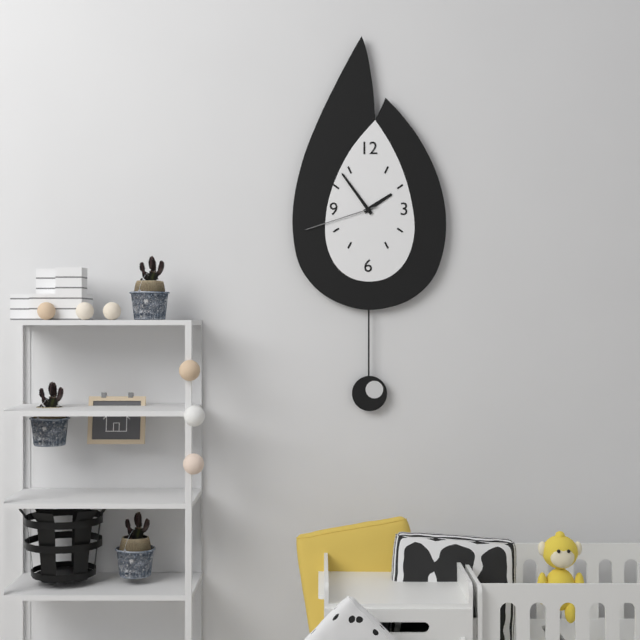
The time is {"hour": 1, "minute": 54, "second": 42}
